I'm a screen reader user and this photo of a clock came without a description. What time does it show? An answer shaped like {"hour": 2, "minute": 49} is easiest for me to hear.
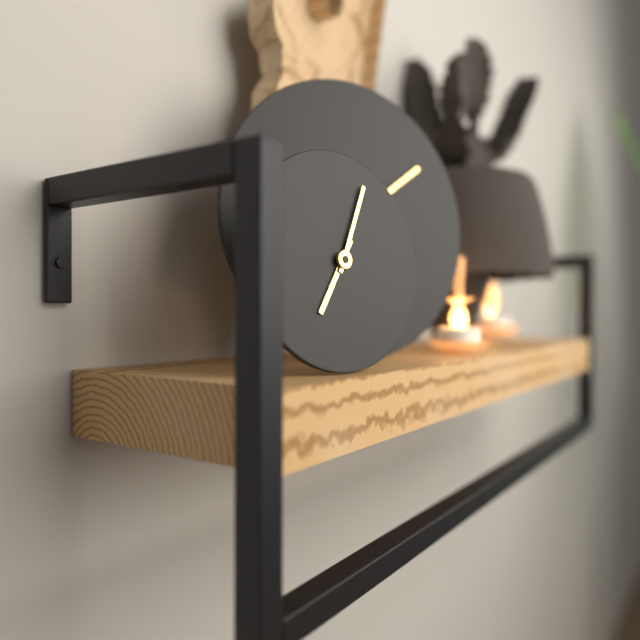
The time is {"hour": 7, "minute": 4}
